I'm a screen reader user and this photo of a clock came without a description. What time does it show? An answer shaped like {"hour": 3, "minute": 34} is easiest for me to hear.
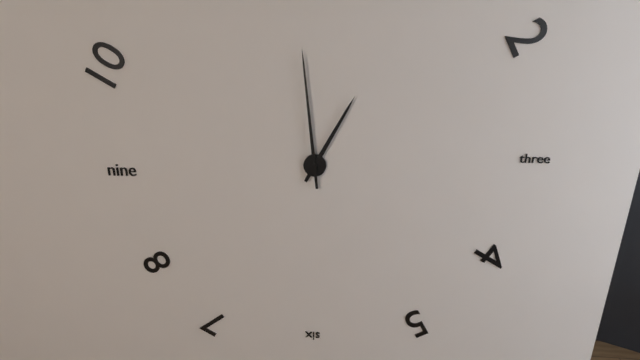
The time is {"hour": 12, "minute": 59}
